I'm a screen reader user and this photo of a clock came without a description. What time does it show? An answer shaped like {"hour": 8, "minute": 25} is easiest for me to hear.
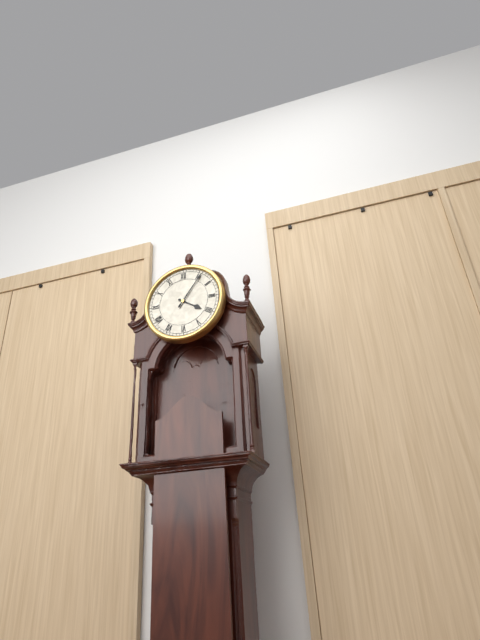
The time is {"hour": 4, "minute": 6}
